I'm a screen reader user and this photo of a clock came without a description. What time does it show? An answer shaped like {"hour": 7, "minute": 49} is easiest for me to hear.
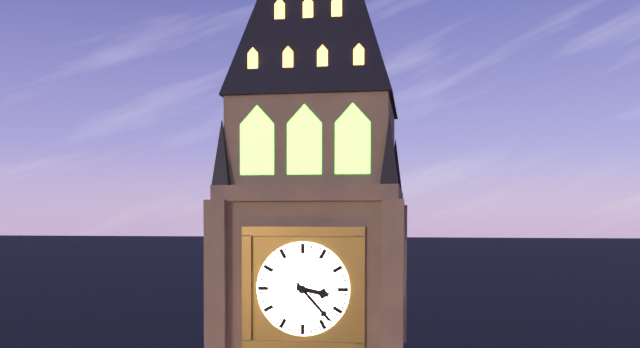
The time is {"hour": 3, "minute": 23}
